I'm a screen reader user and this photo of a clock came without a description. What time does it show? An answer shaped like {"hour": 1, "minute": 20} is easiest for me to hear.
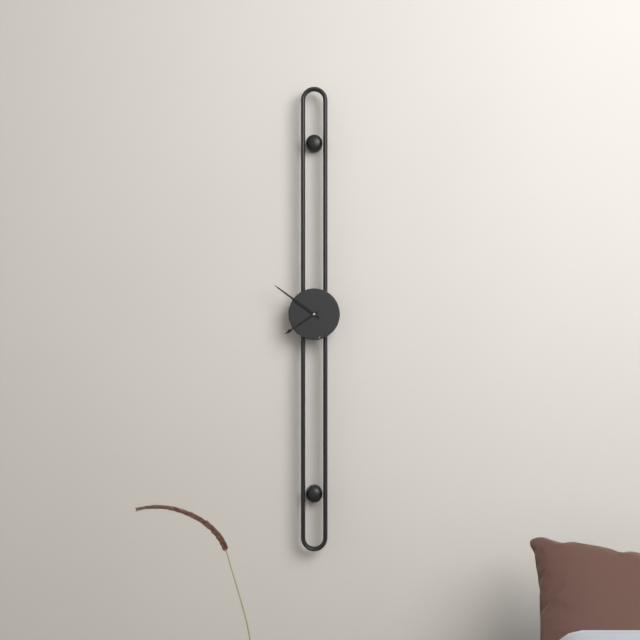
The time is {"hour": 7, "minute": 51}
